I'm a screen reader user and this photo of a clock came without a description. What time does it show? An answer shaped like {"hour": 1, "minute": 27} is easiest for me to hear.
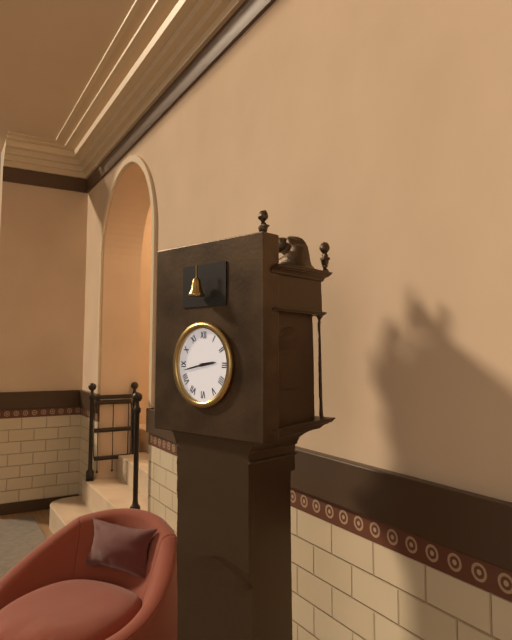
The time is {"hour": 2, "minute": 43}
